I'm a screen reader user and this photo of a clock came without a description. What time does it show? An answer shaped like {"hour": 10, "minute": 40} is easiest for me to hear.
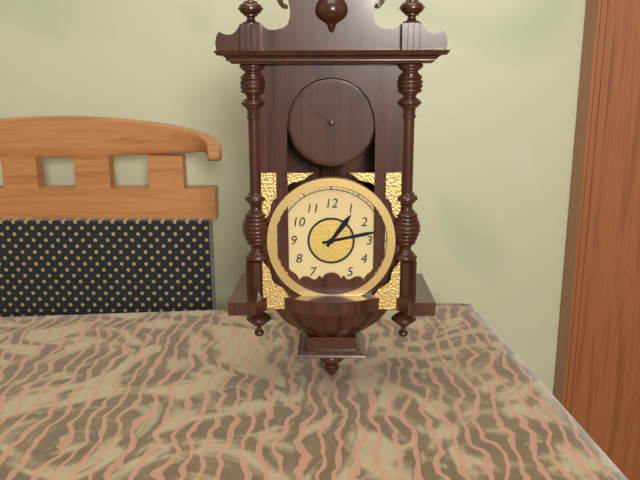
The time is {"hour": 1, "minute": 13}
